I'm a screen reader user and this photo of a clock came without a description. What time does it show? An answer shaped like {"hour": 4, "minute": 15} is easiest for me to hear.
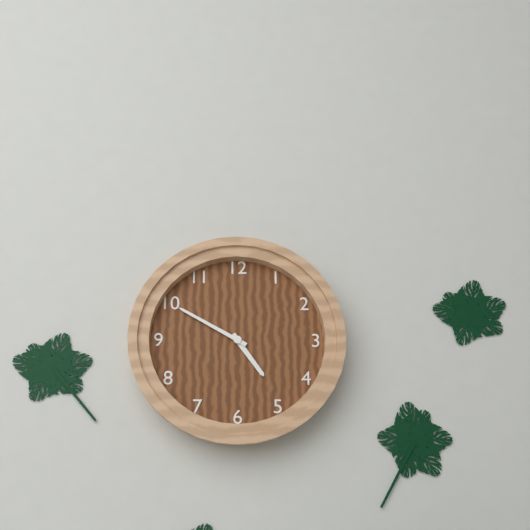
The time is {"hour": 4, "minute": 50}
